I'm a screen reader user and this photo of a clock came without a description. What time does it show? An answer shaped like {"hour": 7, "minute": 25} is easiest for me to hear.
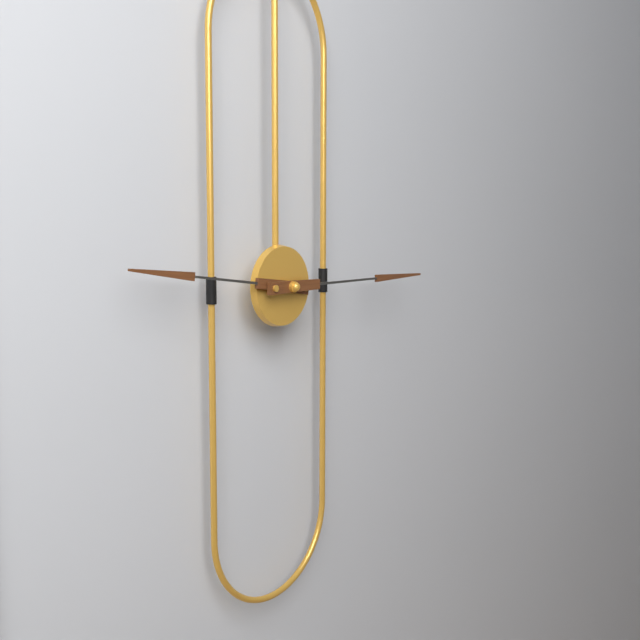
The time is {"hour": 9, "minute": 15}
